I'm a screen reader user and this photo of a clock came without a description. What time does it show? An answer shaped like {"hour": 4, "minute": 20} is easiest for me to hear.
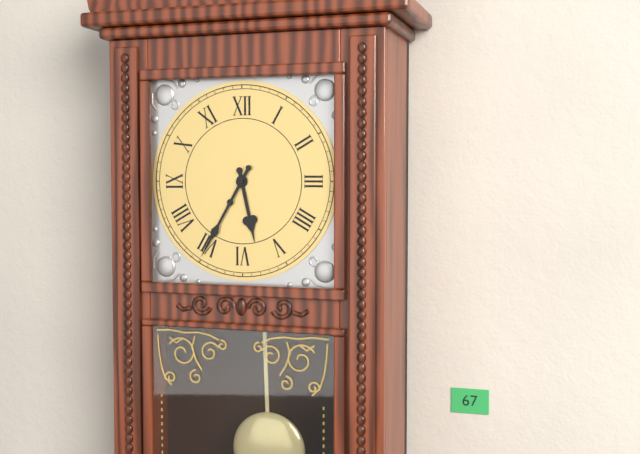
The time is {"hour": 5, "minute": 35}
